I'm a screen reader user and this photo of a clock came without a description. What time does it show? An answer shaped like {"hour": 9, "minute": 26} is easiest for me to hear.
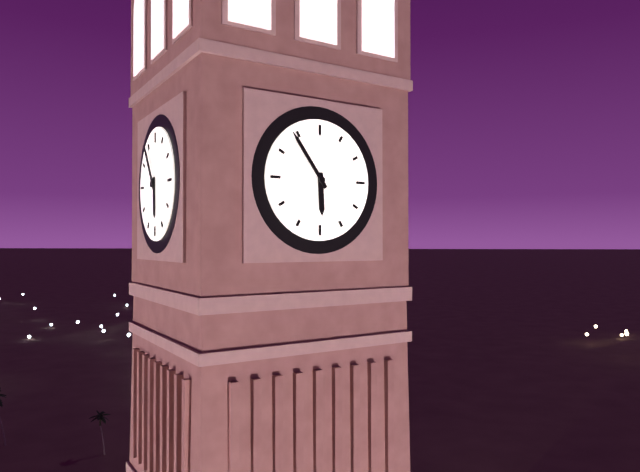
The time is {"hour": 5, "minute": 54}
